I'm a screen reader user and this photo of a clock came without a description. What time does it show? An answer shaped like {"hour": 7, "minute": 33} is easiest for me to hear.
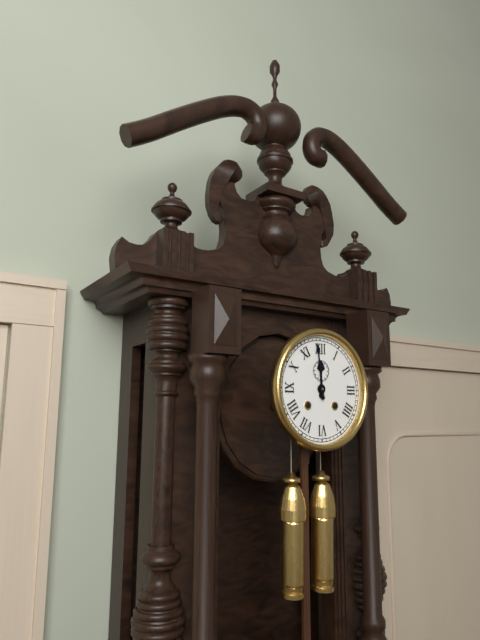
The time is {"hour": 11, "minute": 59}
